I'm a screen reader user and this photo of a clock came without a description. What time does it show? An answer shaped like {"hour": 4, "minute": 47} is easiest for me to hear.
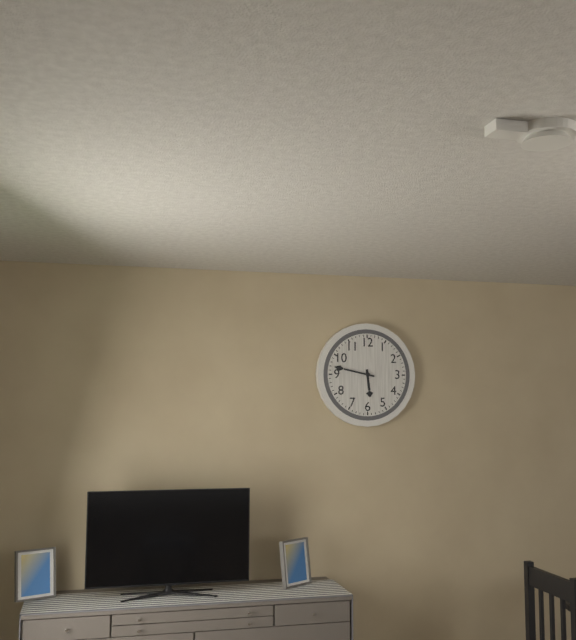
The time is {"hour": 5, "minute": 47}
